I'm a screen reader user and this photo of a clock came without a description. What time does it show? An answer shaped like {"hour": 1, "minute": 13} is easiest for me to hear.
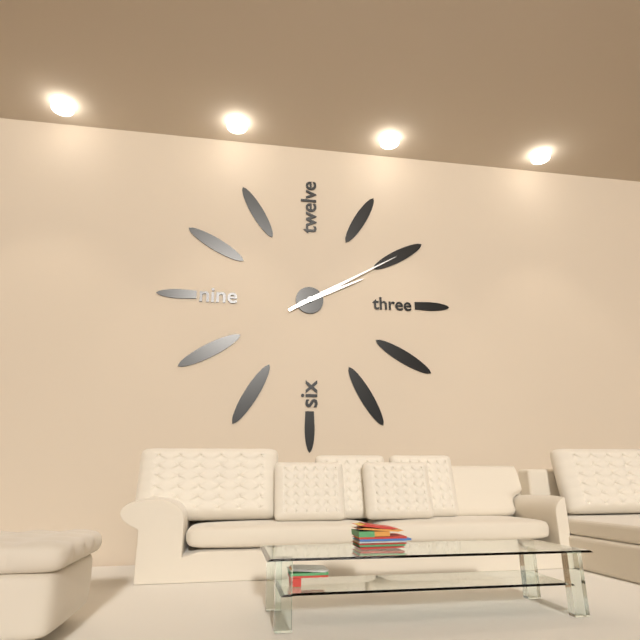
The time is {"hour": 2, "minute": 10}
